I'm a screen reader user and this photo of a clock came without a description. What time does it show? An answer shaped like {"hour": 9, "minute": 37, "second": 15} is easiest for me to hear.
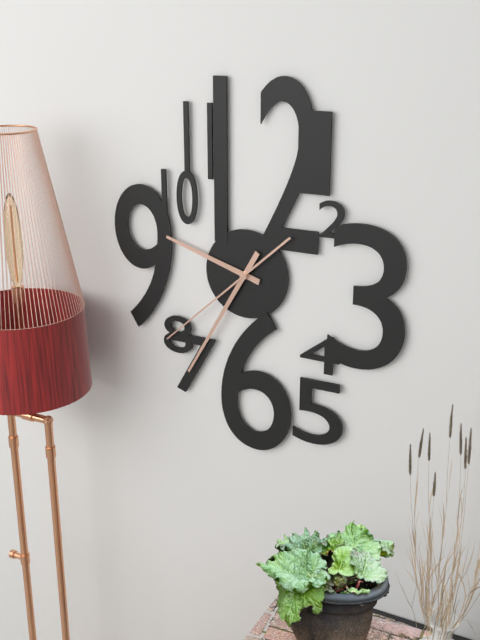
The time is {"hour": 9, "minute": 35, "second": 38}
